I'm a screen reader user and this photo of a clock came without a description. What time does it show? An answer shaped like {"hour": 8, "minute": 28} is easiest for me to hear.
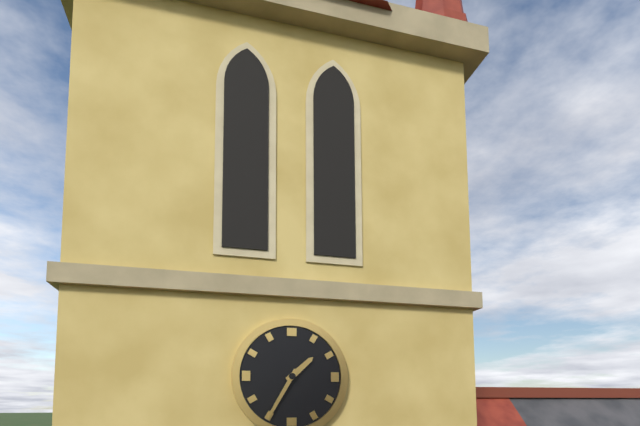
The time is {"hour": 1, "minute": 35}
